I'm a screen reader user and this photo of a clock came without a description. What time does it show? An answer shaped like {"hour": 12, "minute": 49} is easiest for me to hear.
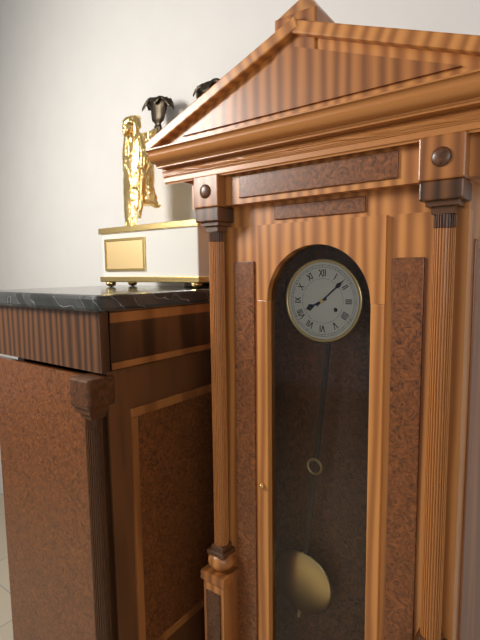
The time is {"hour": 8, "minute": 8}
